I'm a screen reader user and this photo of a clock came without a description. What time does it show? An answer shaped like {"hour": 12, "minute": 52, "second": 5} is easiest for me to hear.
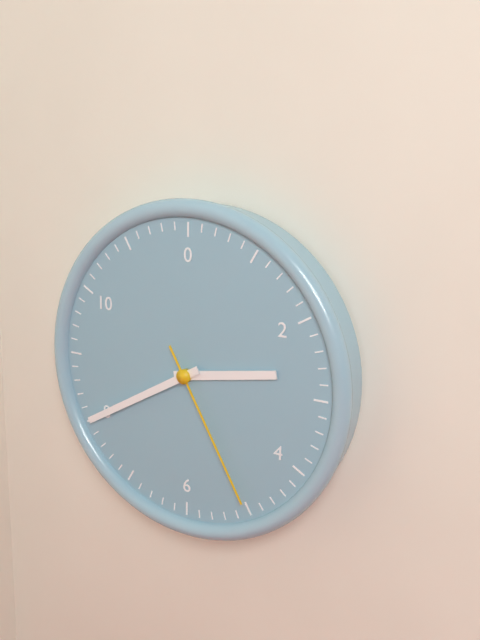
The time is {"hour": 2, "minute": 40, "second": 25}
